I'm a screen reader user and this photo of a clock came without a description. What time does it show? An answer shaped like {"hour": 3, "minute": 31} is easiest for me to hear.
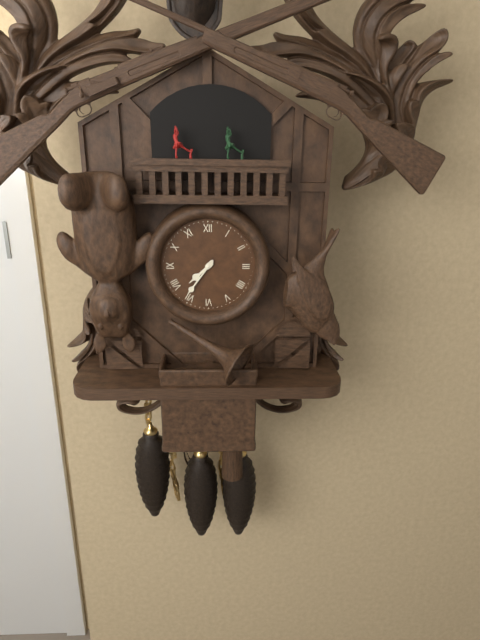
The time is {"hour": 7, "minute": 36}
